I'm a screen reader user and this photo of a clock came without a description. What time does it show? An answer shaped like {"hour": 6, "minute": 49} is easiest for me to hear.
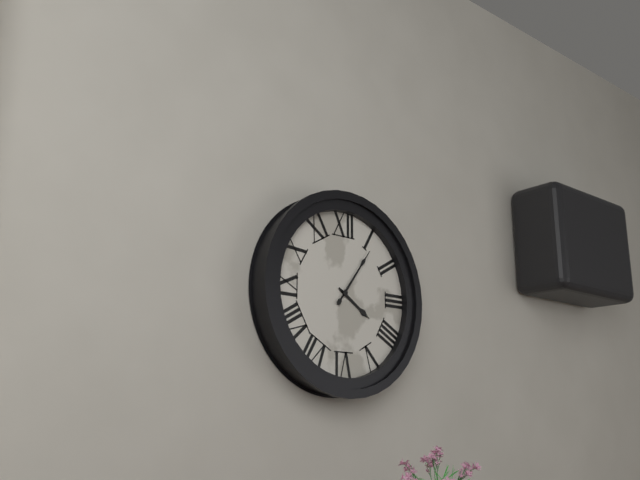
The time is {"hour": 4, "minute": 6}
